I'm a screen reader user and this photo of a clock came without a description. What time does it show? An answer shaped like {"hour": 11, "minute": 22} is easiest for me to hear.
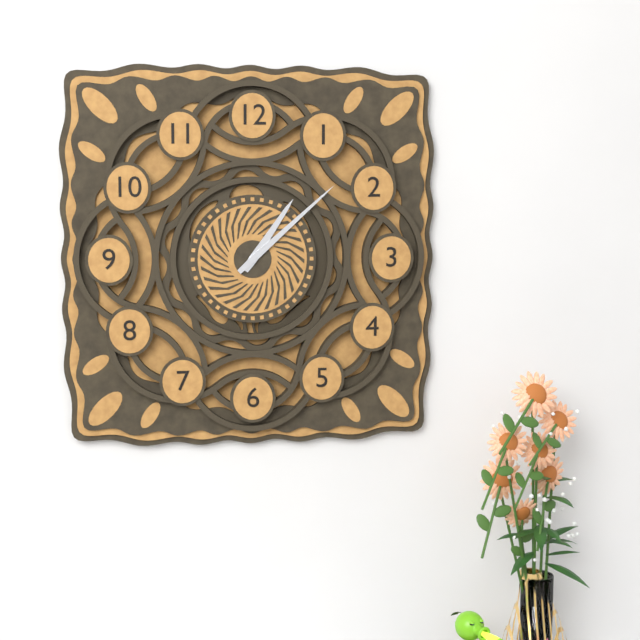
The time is {"hour": 1, "minute": 8}
